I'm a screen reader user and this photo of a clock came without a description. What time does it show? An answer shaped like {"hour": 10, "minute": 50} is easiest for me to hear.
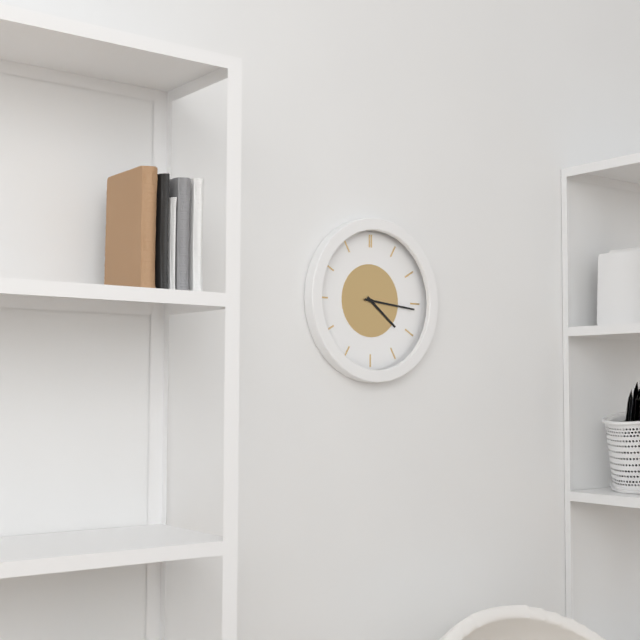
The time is {"hour": 4, "minute": 16}
